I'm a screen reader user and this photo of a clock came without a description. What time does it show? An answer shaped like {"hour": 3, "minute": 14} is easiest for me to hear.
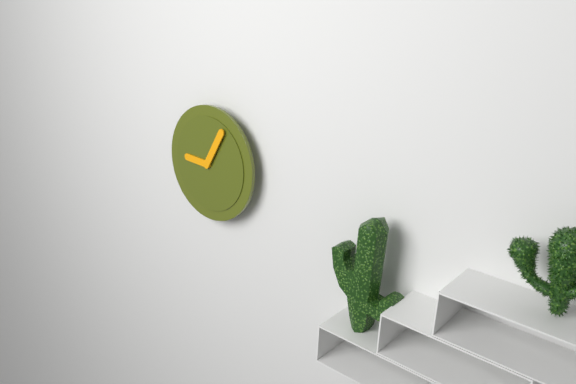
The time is {"hour": 9, "minute": 5}
